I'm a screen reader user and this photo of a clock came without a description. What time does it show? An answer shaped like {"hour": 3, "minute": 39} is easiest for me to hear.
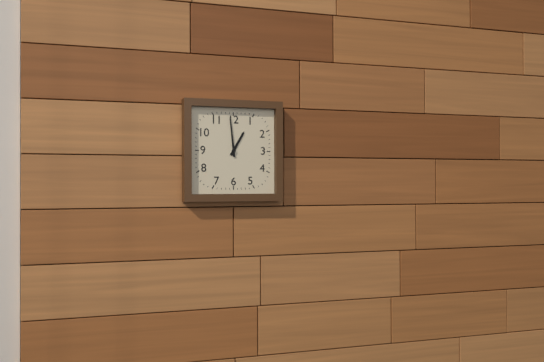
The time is {"hour": 12, "minute": 59}
